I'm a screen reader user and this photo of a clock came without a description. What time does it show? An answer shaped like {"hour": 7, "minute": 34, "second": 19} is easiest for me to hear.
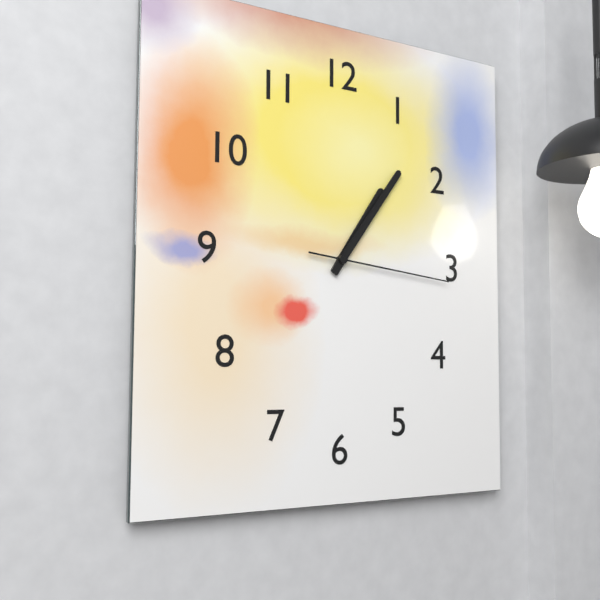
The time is {"hour": 1, "minute": 6, "second": 16}
